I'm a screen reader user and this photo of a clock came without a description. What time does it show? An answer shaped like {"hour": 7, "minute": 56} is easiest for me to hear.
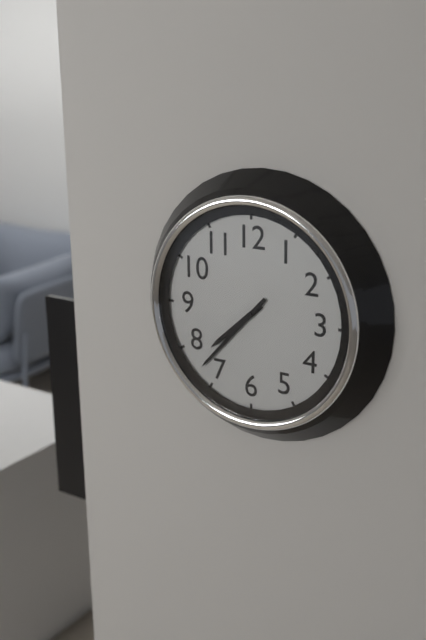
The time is {"hour": 7, "minute": 37}
